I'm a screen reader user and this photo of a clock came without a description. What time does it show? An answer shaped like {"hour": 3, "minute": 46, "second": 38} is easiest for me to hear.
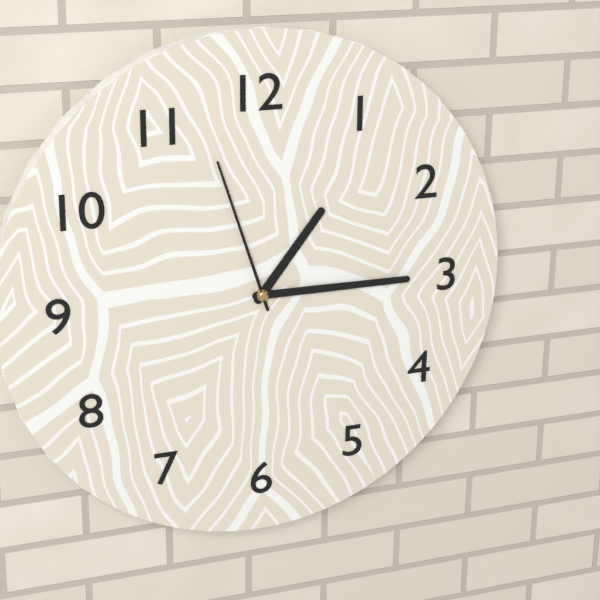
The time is {"hour": 1, "minute": 15, "second": 57}
